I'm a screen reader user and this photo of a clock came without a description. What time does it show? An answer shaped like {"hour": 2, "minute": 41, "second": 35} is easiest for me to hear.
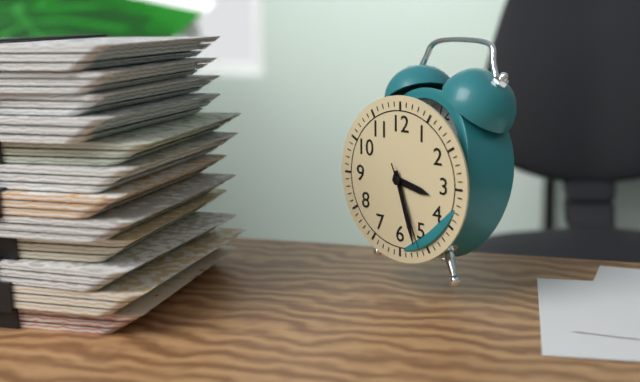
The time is {"hour": 3, "minute": 27, "second": 26}
